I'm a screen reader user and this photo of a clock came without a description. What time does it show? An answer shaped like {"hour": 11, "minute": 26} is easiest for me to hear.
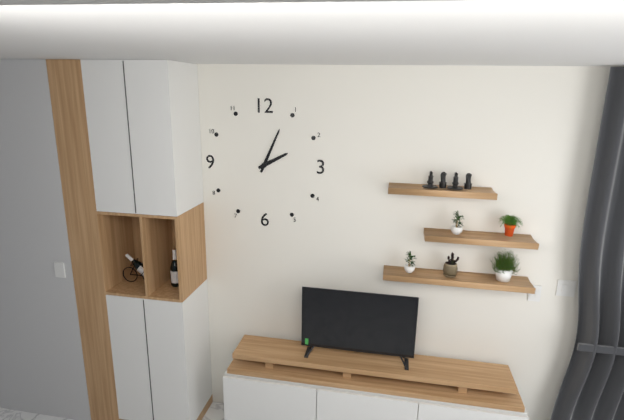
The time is {"hour": 2, "minute": 4}
